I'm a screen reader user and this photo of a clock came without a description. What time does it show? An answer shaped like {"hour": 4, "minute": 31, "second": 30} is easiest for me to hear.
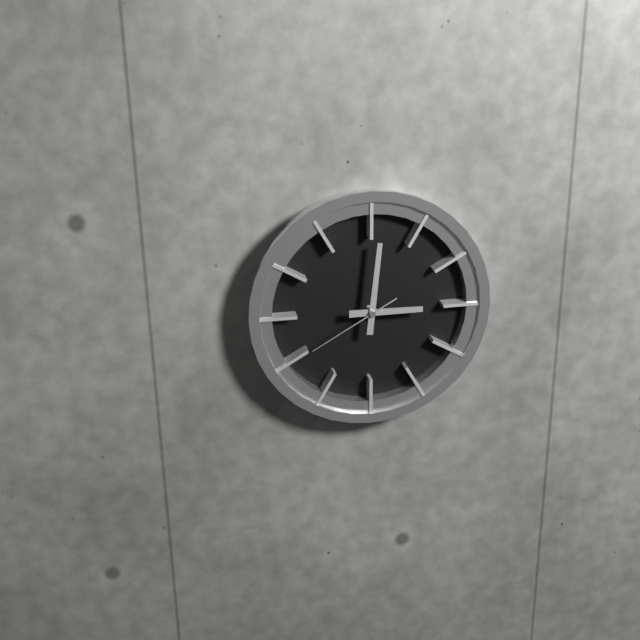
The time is {"hour": 3, "minute": 1, "second": 40}
